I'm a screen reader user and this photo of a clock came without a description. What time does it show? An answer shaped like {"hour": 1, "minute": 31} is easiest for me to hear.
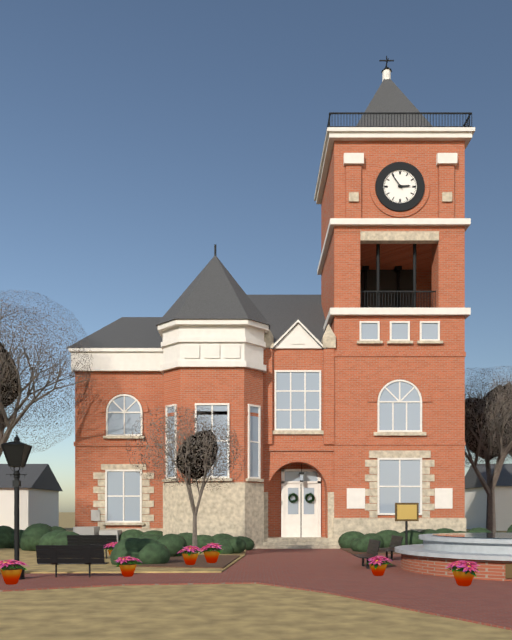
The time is {"hour": 2, "minute": 54}
